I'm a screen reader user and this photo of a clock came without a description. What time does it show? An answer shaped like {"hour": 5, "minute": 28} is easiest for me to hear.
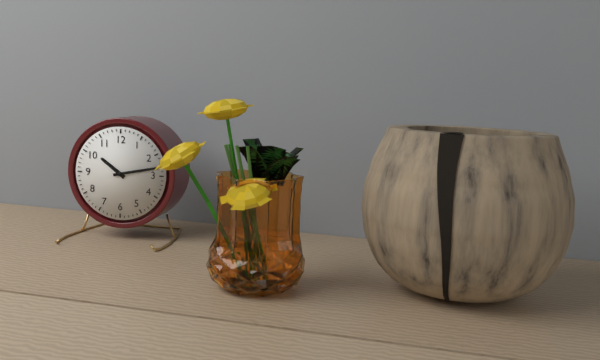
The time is {"hour": 10, "minute": 13}
